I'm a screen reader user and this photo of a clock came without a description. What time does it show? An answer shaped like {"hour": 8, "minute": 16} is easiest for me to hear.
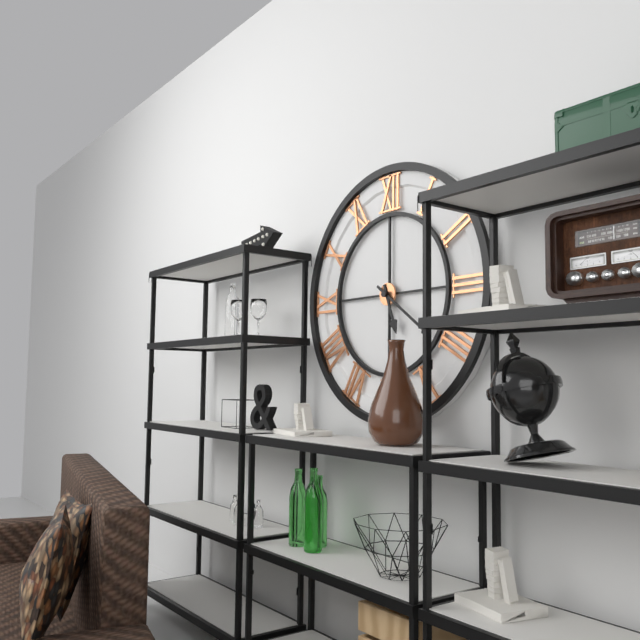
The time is {"hour": 5, "minute": 21}
